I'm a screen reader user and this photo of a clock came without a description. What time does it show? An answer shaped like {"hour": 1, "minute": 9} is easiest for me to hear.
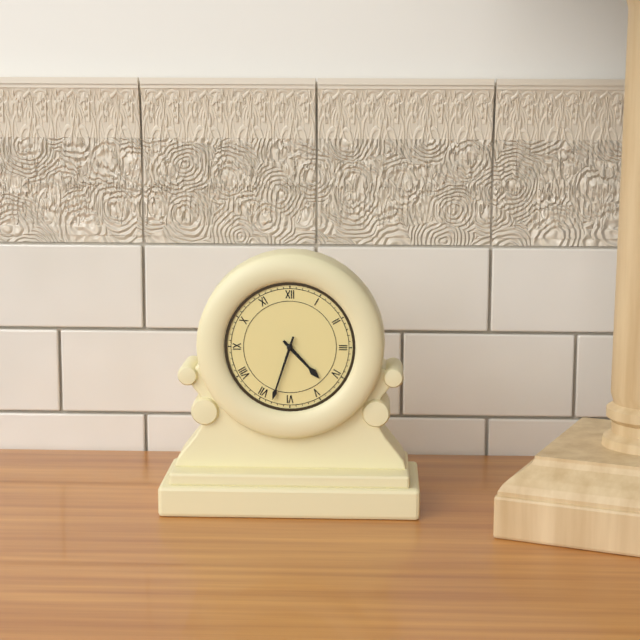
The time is {"hour": 4, "minute": 33}
